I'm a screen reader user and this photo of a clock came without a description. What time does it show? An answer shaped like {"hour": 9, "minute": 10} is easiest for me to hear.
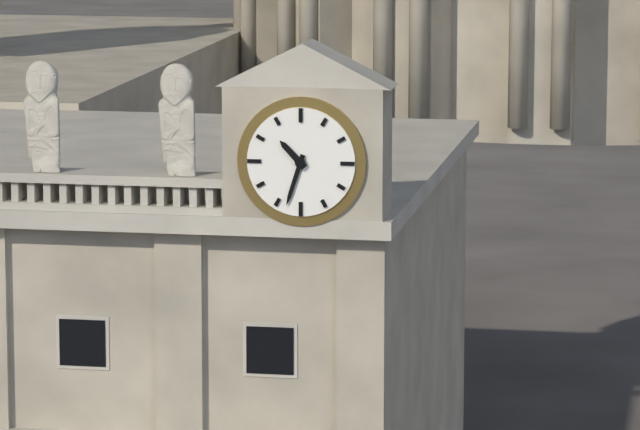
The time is {"hour": 10, "minute": 33}
